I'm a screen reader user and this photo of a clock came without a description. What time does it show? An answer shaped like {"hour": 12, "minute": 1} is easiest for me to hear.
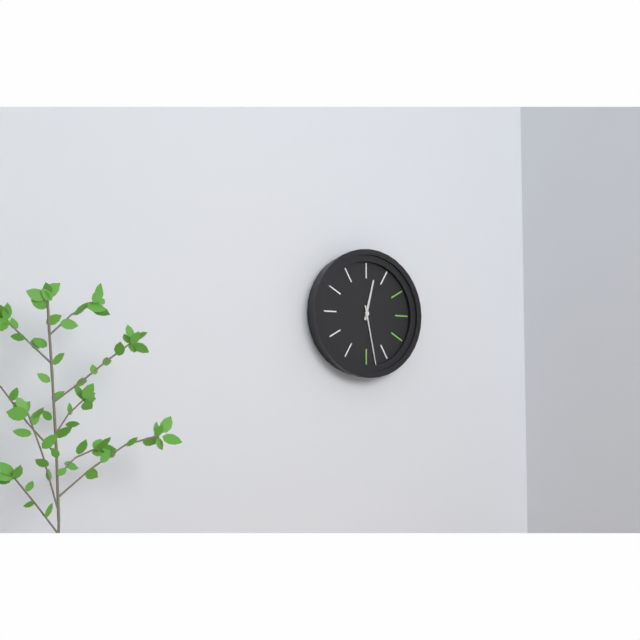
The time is {"hour": 12, "minute": 28}
